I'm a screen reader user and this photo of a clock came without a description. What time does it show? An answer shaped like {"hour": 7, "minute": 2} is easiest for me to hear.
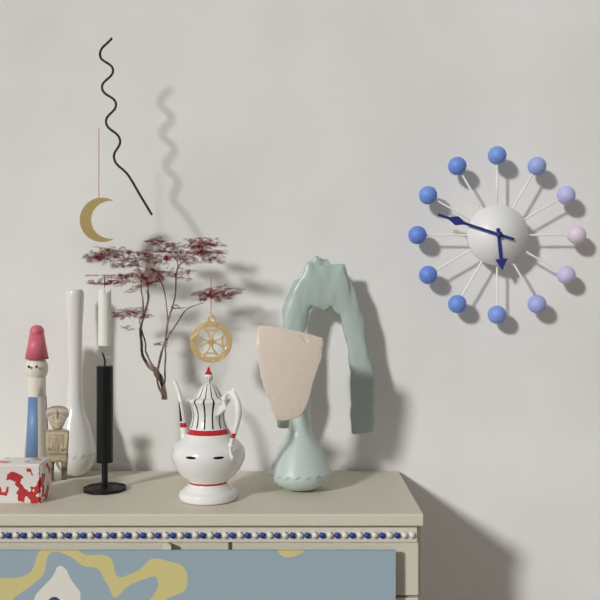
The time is {"hour": 5, "minute": 48}
